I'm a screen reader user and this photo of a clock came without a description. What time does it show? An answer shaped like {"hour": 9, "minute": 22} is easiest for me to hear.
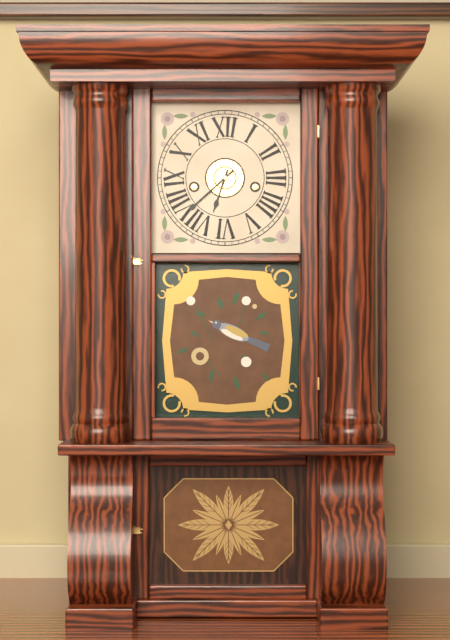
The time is {"hour": 6, "minute": 38}
